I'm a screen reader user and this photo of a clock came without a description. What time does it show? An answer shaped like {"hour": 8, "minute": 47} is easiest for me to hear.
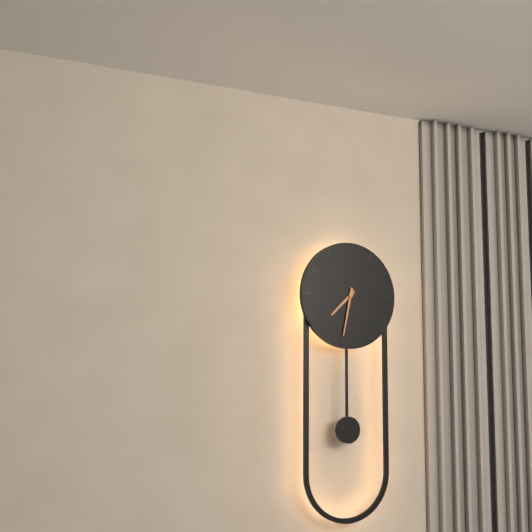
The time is {"hour": 7, "minute": 32}
